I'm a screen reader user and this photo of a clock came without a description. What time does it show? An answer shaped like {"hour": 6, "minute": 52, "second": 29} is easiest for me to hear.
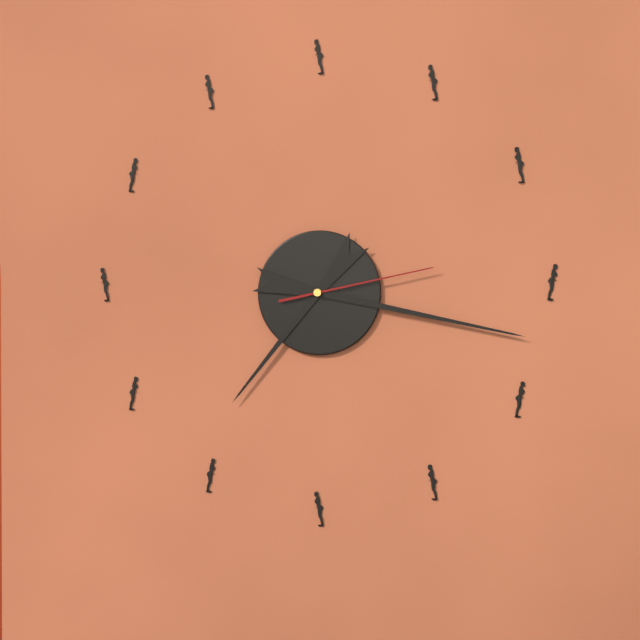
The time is {"hour": 7, "minute": 17, "second": 13}
